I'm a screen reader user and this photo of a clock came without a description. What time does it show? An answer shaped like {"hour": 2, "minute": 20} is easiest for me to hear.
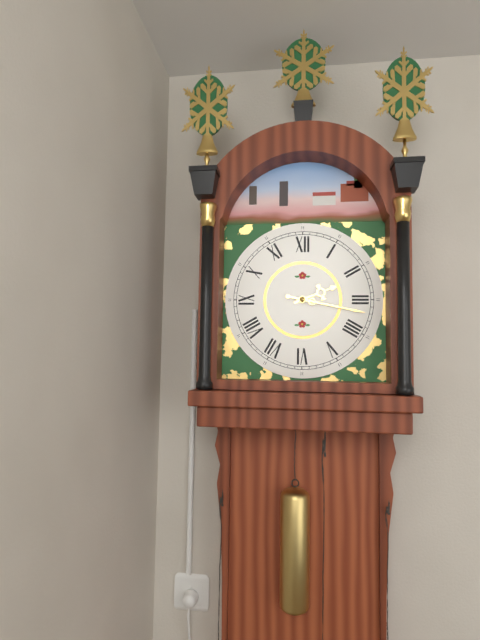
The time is {"hour": 2, "minute": 17}
